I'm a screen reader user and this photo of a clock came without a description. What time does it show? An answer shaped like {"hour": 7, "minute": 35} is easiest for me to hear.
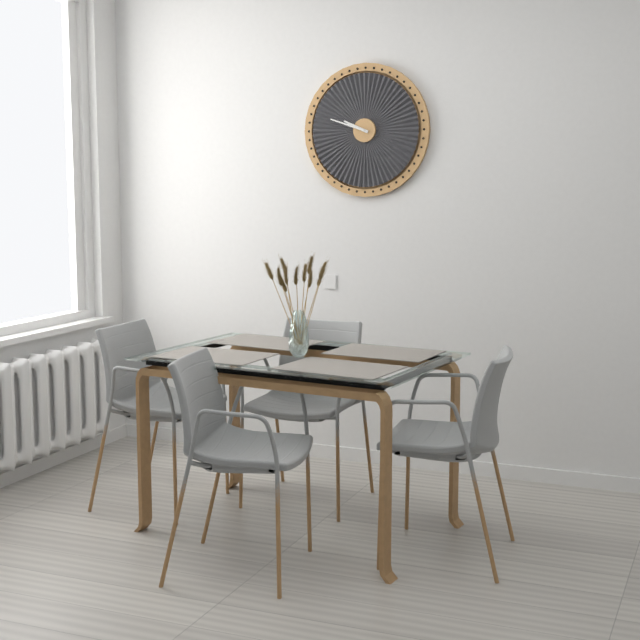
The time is {"hour": 9, "minute": 48}
